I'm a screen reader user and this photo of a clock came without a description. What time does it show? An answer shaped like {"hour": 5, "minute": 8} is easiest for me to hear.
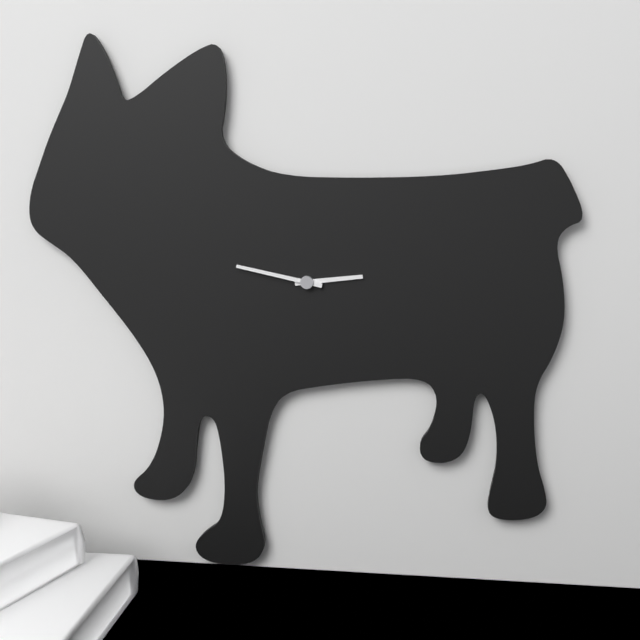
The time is {"hour": 2, "minute": 47}
